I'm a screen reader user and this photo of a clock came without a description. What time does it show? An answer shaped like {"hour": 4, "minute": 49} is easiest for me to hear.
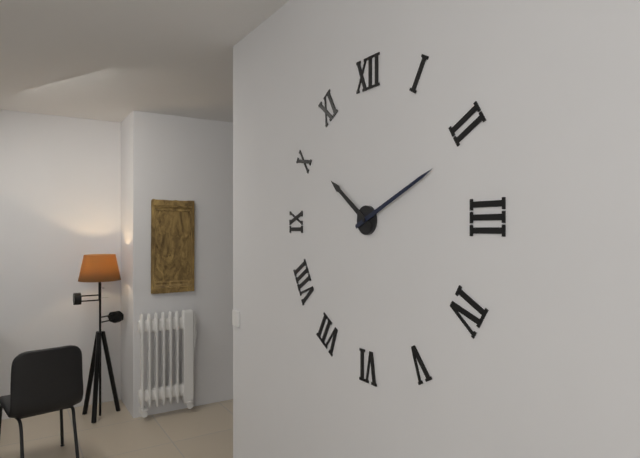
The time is {"hour": 10, "minute": 11}
